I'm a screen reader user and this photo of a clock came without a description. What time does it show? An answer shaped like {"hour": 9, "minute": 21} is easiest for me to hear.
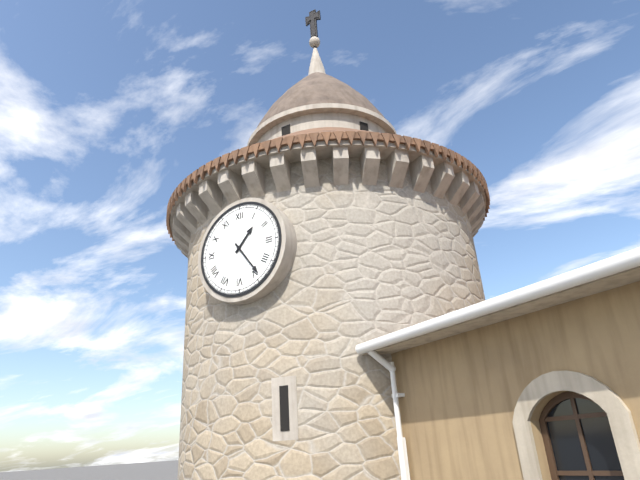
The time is {"hour": 1, "minute": 24}
